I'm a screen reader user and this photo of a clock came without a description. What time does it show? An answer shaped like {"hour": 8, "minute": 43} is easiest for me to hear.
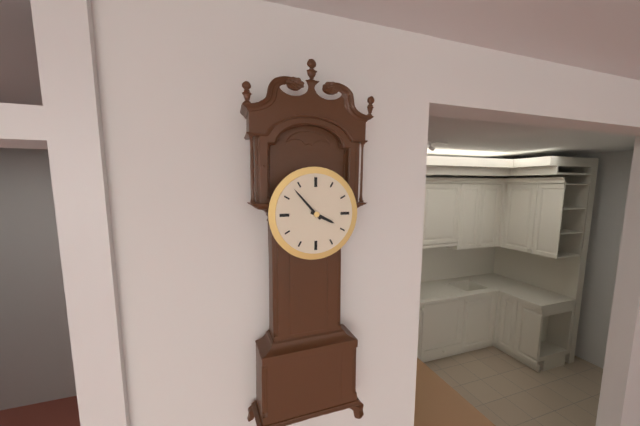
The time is {"hour": 3, "minute": 53}
